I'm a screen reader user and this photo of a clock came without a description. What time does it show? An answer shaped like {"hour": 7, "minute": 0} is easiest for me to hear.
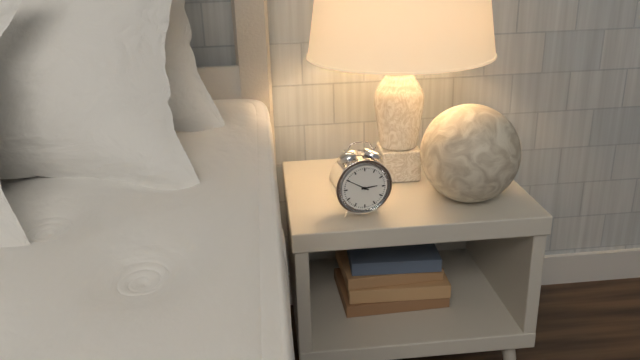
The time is {"hour": 2, "minute": 50}
